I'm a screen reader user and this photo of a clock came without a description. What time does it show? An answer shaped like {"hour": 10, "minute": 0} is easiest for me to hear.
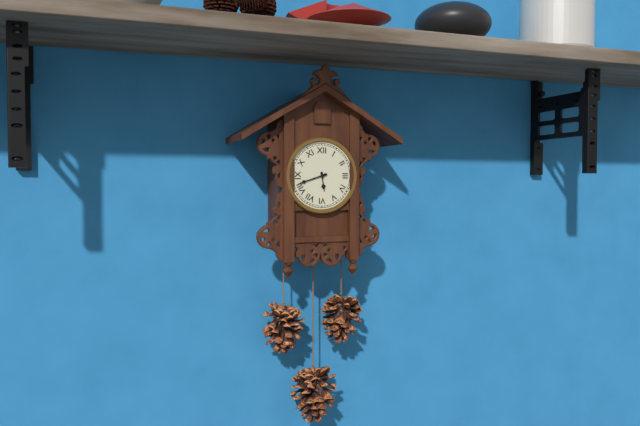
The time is {"hour": 5, "minute": 42}
